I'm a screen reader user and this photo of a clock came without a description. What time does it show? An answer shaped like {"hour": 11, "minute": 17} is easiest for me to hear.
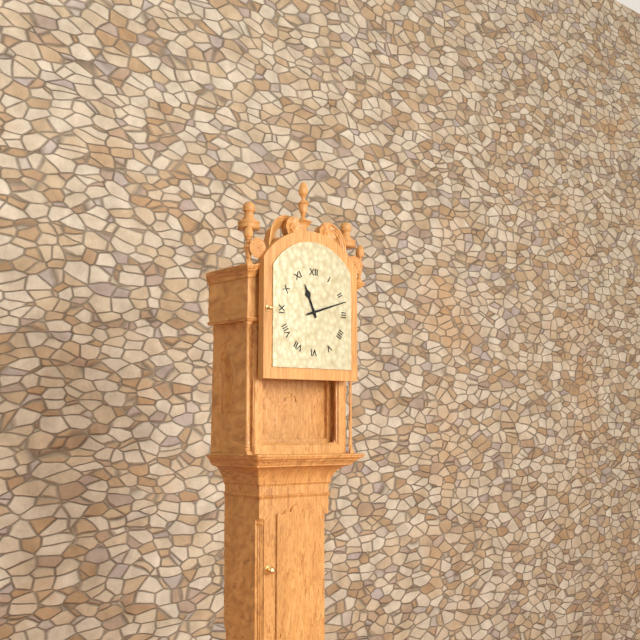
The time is {"hour": 11, "minute": 12}
